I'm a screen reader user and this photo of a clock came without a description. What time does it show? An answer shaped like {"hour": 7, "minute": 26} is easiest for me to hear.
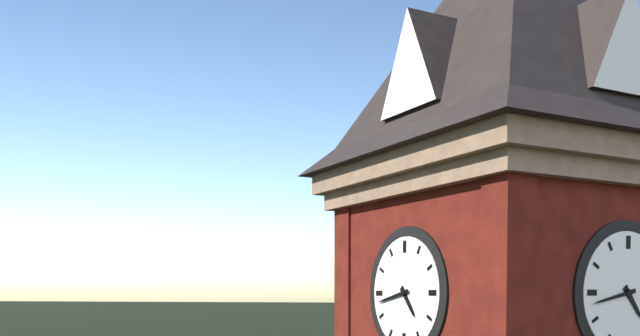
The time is {"hour": 4, "minute": 43}
